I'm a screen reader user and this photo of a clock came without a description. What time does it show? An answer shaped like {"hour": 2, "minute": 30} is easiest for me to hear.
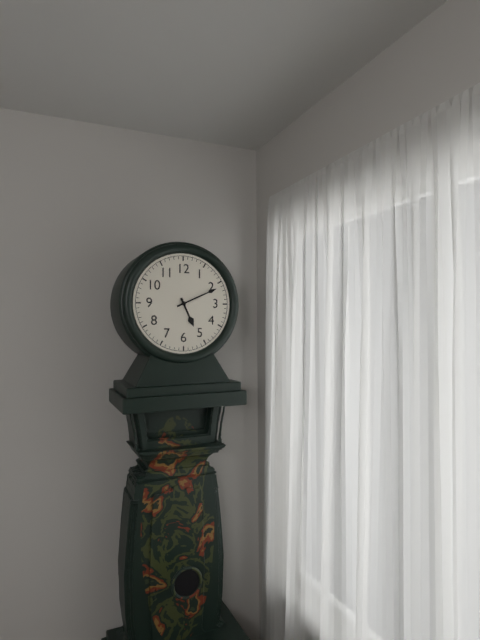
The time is {"hour": 5, "minute": 11}
